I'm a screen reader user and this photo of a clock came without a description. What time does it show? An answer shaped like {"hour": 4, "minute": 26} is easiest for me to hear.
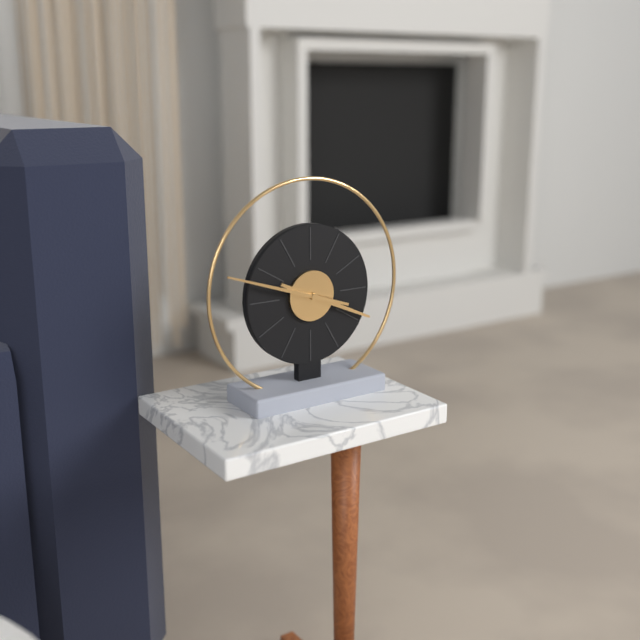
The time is {"hour": 3, "minute": 48}
